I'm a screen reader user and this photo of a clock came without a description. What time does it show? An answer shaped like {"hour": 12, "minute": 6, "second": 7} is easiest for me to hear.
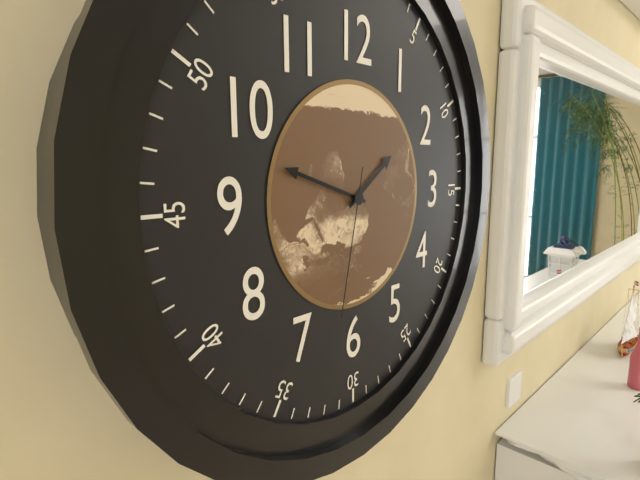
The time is {"hour": 1, "minute": 48, "second": 32}
